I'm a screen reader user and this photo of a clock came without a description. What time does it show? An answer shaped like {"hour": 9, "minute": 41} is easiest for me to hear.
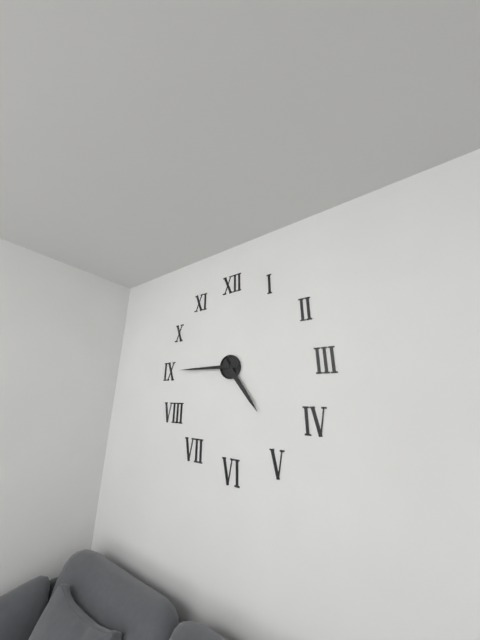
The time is {"hour": 4, "minute": 45}
